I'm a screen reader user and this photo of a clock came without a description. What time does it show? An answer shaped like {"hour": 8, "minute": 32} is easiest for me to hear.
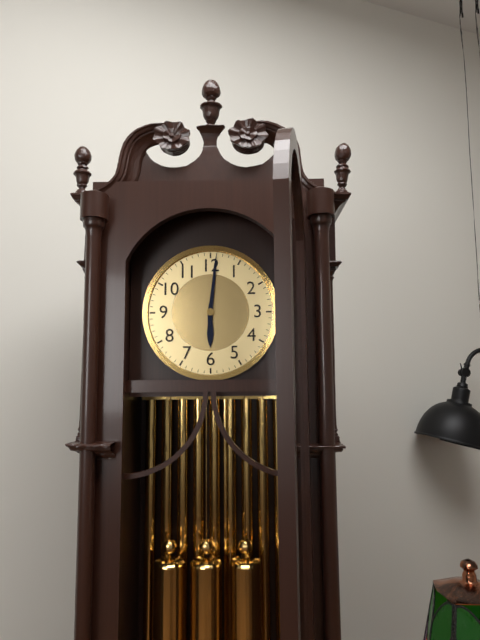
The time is {"hour": 6, "minute": 1}
